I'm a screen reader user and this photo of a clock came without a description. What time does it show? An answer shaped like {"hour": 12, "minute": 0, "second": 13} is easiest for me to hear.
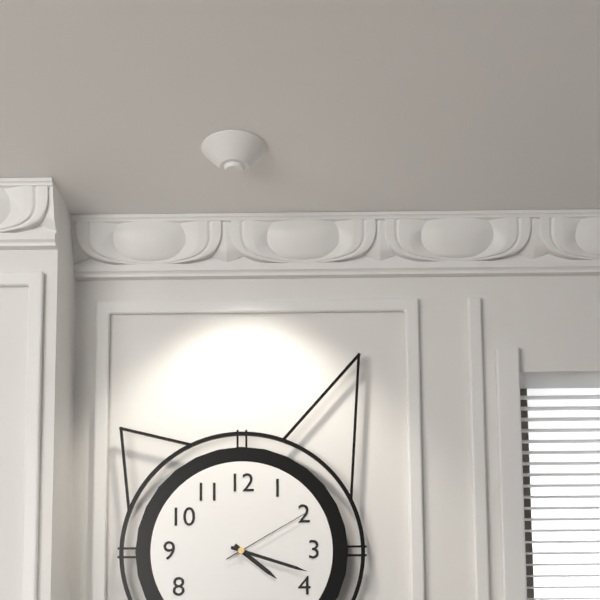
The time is {"hour": 4, "minute": 18, "second": 10}
